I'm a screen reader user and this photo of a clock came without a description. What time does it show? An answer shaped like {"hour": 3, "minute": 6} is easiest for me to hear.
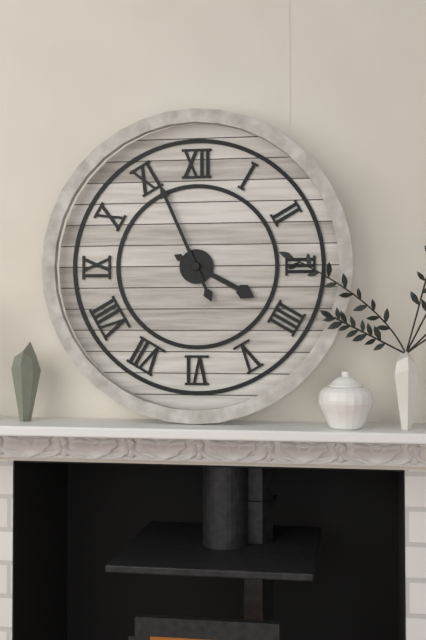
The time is {"hour": 3, "minute": 56}
